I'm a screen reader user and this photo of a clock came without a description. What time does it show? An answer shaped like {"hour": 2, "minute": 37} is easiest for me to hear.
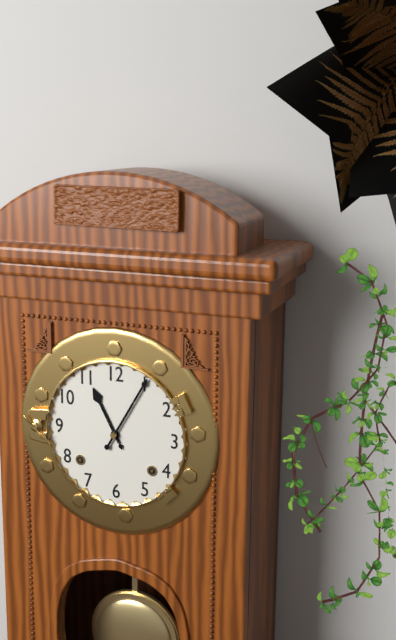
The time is {"hour": 11, "minute": 5}
